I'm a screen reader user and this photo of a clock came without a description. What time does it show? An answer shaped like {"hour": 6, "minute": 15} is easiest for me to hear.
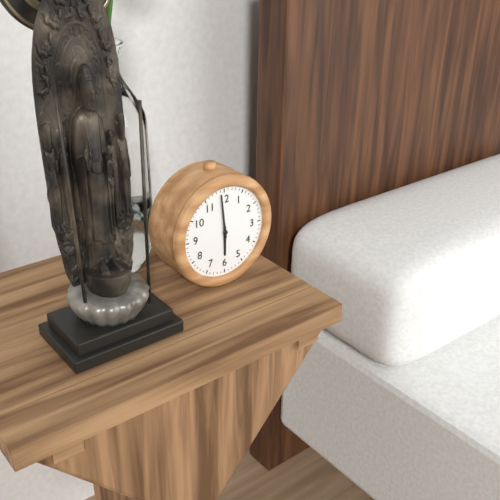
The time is {"hour": 5, "minute": 59}
